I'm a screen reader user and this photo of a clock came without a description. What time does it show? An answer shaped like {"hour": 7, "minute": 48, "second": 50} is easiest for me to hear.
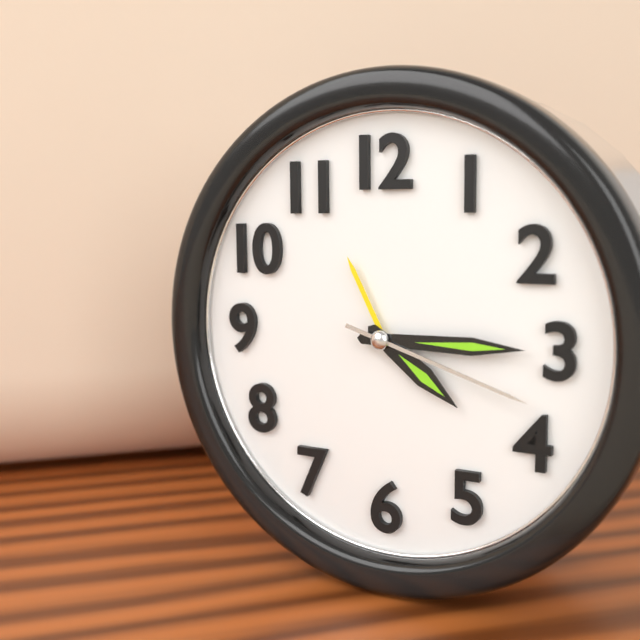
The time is {"hour": 4, "minute": 15, "second": 18}
